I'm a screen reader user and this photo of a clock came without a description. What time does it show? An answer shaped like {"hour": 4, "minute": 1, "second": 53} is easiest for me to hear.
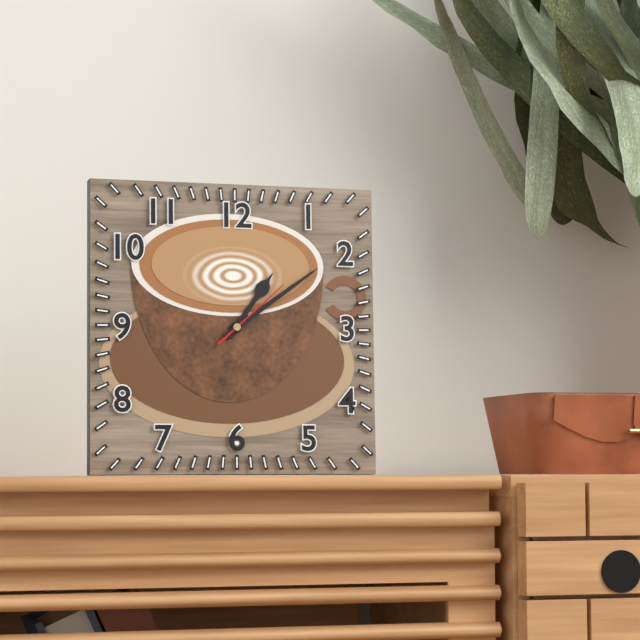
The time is {"hour": 1, "minute": 9, "second": 8}
